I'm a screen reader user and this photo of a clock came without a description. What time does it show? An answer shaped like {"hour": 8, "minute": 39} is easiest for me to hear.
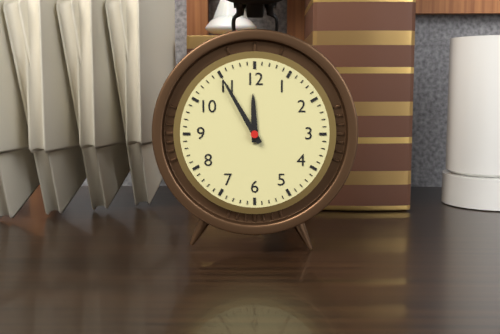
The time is {"hour": 11, "minute": 55}
